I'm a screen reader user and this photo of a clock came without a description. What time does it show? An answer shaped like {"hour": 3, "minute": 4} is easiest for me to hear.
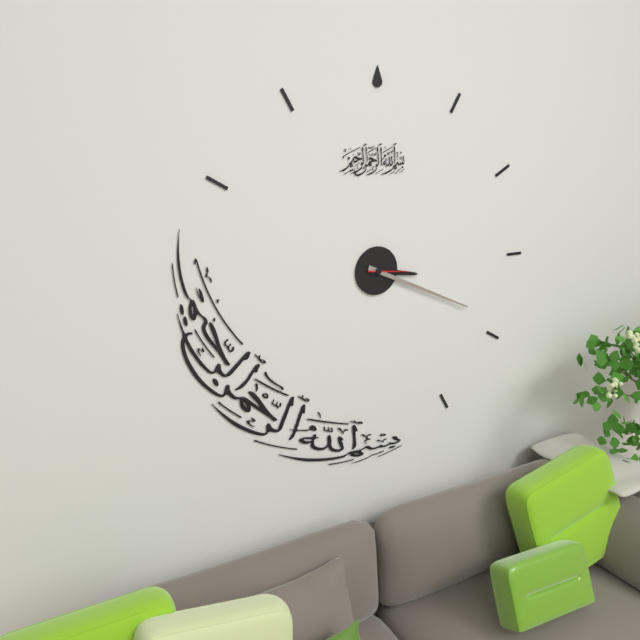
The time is {"hour": 3, "minute": 19}
